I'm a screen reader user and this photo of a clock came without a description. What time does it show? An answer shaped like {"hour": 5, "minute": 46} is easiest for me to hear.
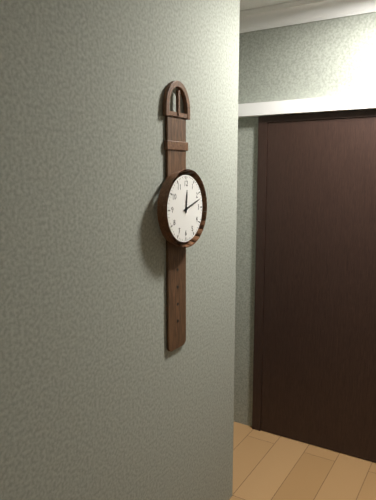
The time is {"hour": 12, "minute": 12}
